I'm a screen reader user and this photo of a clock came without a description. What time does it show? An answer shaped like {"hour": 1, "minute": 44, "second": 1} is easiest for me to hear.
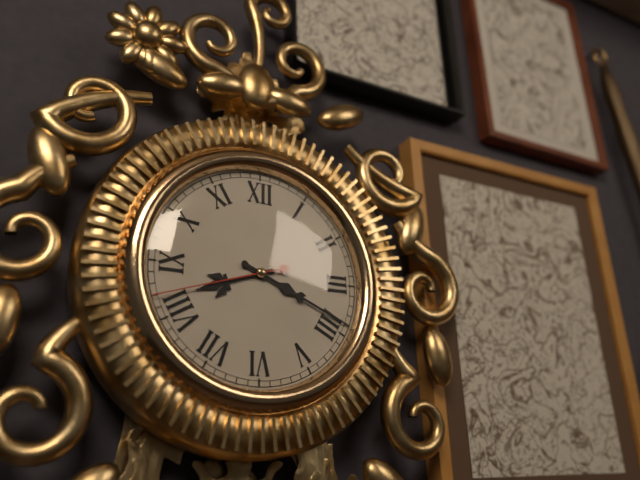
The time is {"hour": 8, "minute": 19, "second": 42}
